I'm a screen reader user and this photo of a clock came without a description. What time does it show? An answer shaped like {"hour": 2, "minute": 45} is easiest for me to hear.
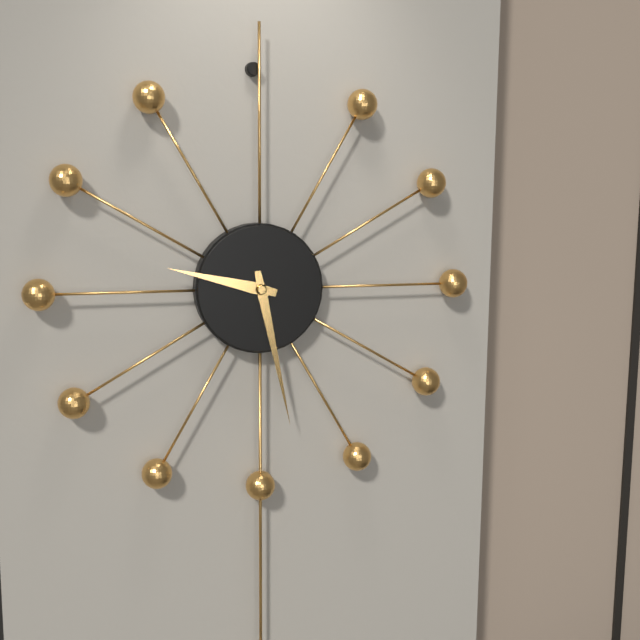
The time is {"hour": 9, "minute": 28}
